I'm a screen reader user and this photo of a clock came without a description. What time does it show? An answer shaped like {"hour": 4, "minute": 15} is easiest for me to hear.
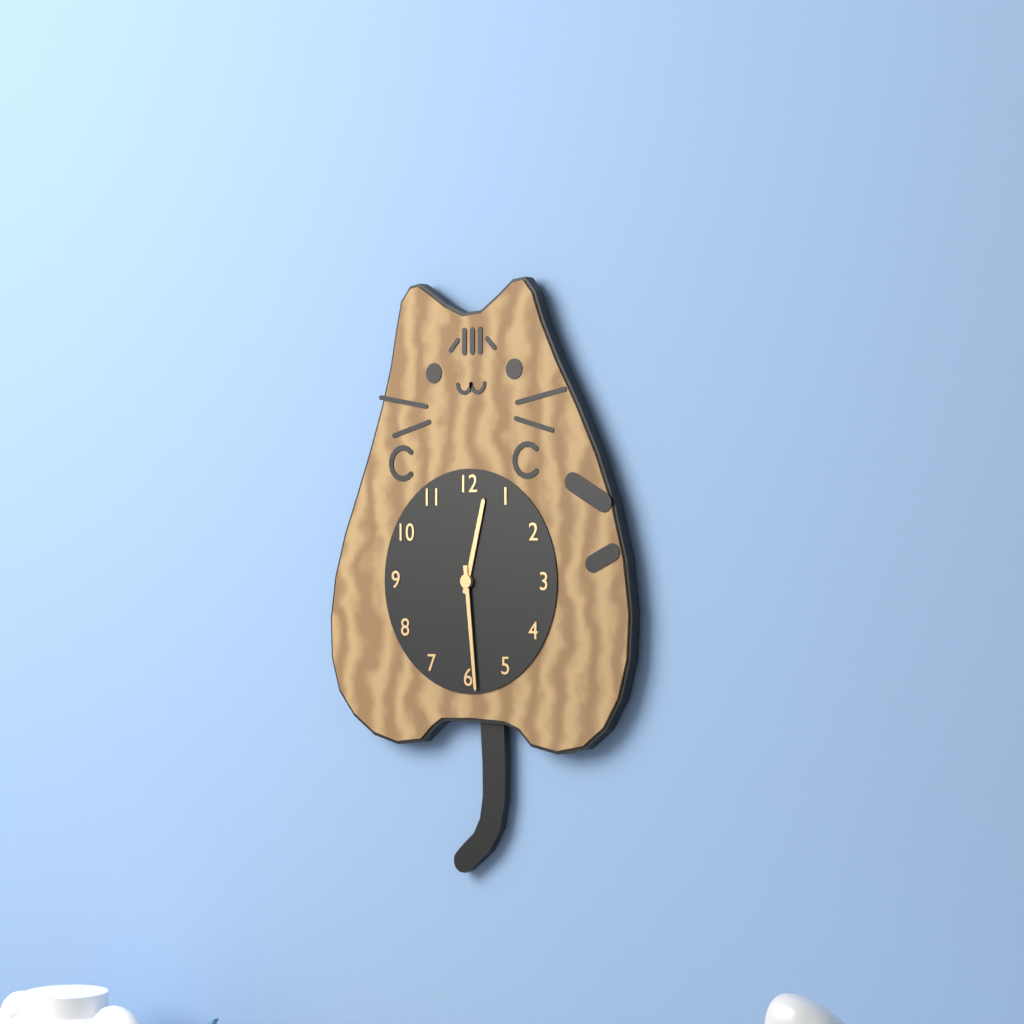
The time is {"hour": 12, "minute": 29}
